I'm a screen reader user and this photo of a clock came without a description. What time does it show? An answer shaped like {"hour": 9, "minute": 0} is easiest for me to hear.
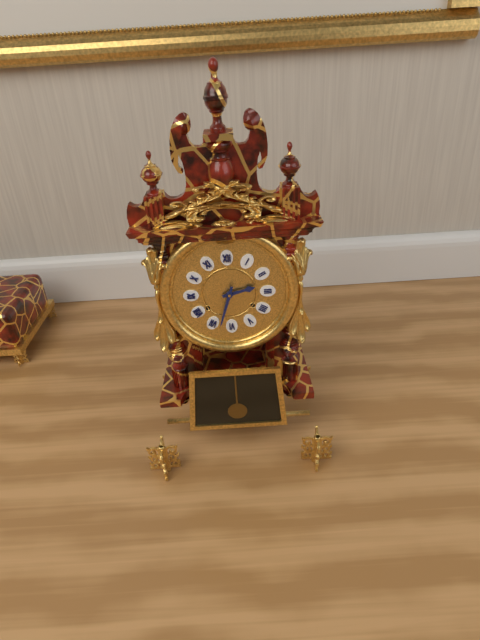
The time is {"hour": 2, "minute": 33}
